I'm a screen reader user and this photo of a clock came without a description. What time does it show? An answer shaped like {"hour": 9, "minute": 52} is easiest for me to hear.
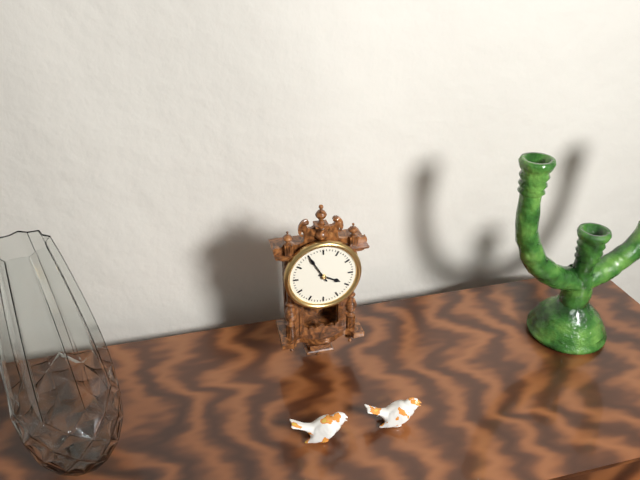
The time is {"hour": 3, "minute": 55}
